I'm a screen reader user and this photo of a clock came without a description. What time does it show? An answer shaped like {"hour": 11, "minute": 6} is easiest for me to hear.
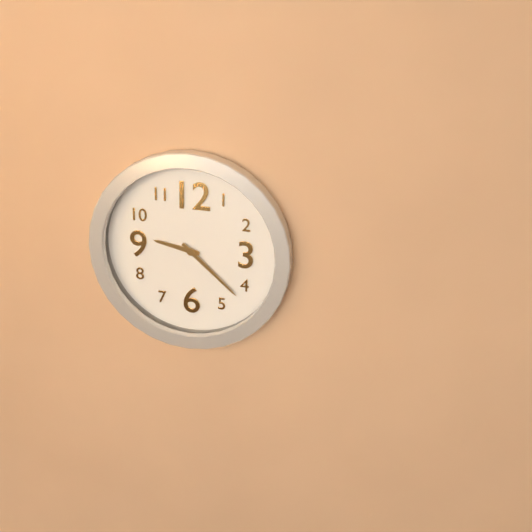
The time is {"hour": 9, "minute": 22}
